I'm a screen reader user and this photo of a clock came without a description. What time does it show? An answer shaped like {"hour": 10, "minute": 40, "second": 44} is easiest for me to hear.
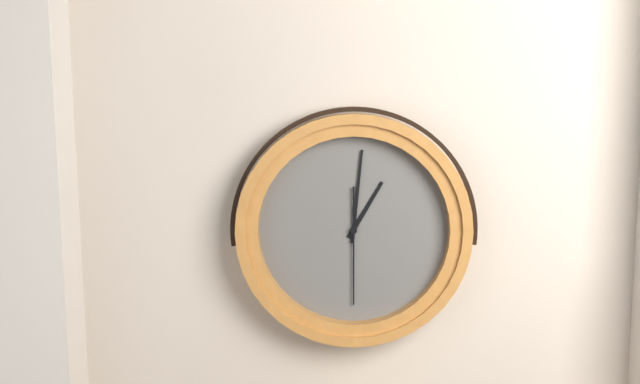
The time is {"hour": 1, "minute": 1, "second": 30}
